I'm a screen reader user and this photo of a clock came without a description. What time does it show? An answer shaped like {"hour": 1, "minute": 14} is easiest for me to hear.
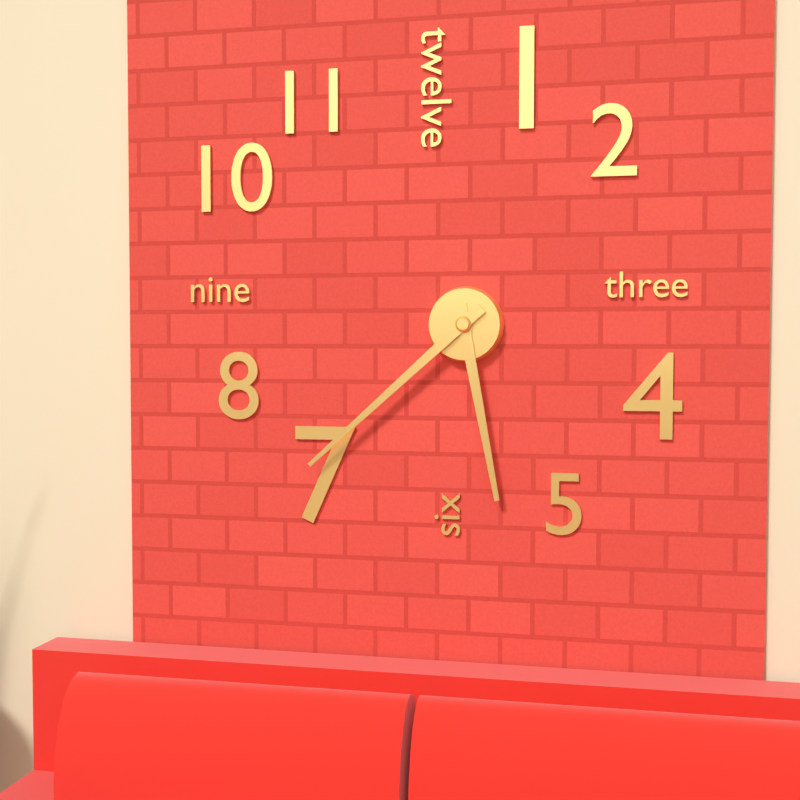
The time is {"hour": 5, "minute": 38}
